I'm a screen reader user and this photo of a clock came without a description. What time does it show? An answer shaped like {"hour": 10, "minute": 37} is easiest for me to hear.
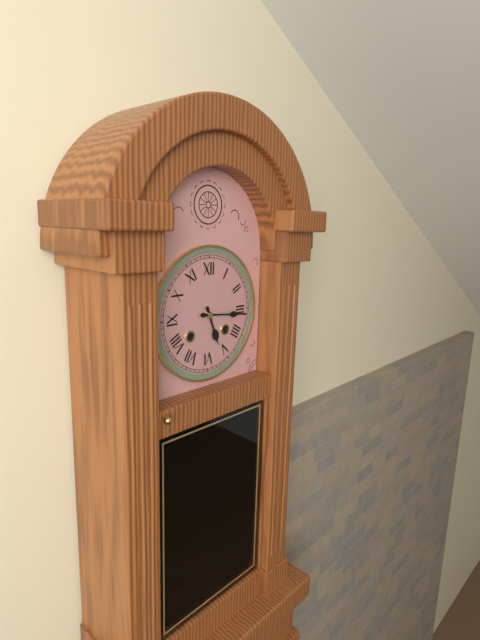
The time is {"hour": 5, "minute": 16}
